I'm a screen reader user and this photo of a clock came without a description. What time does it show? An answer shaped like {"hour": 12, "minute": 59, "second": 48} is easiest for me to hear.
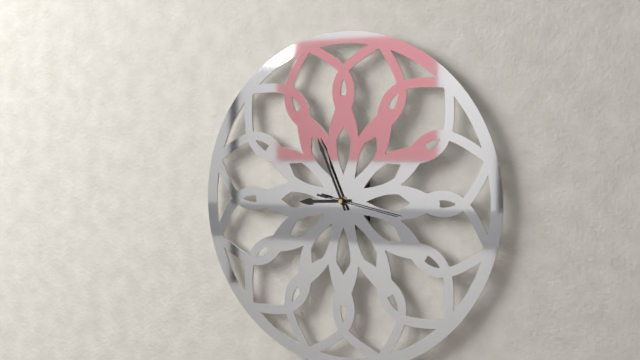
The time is {"hour": 8, "minute": 56, "second": 17}
